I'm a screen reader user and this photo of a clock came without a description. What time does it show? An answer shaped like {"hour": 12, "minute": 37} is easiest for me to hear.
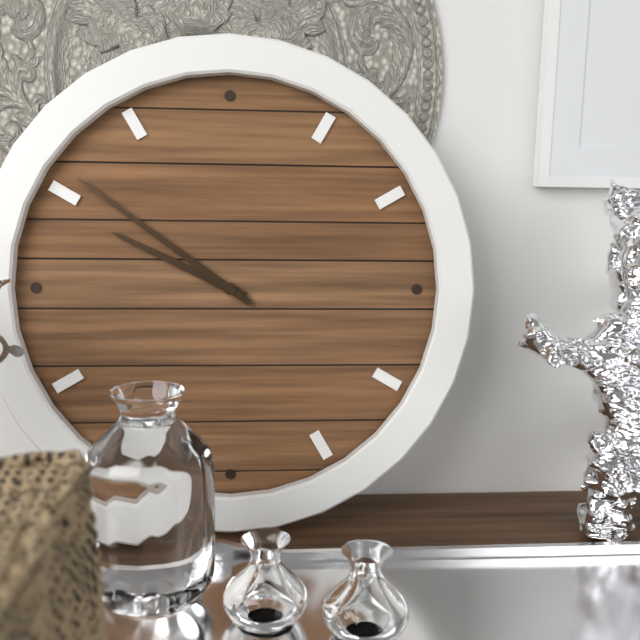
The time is {"hour": 9, "minute": 51}
